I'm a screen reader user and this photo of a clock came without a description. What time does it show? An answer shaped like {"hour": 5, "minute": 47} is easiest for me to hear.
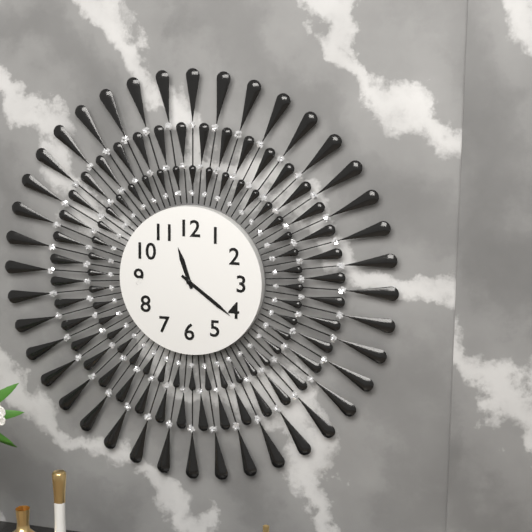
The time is {"hour": 11, "minute": 21}
